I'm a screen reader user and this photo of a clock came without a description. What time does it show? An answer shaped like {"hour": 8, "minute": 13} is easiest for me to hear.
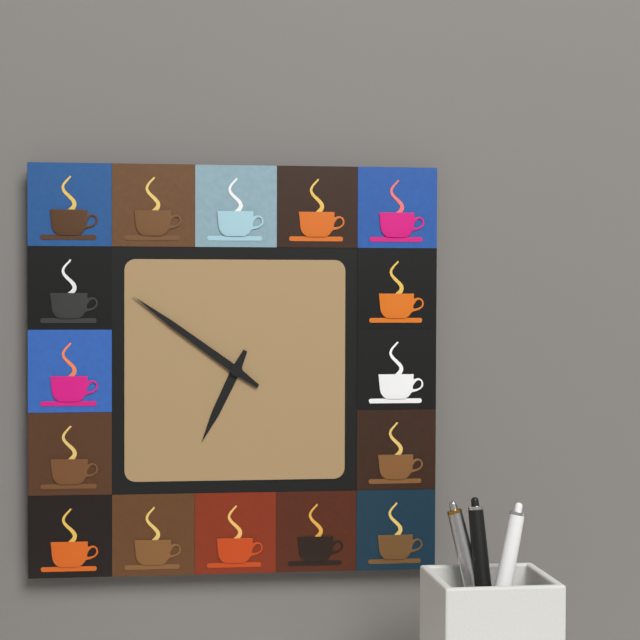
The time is {"hour": 6, "minute": 51}
